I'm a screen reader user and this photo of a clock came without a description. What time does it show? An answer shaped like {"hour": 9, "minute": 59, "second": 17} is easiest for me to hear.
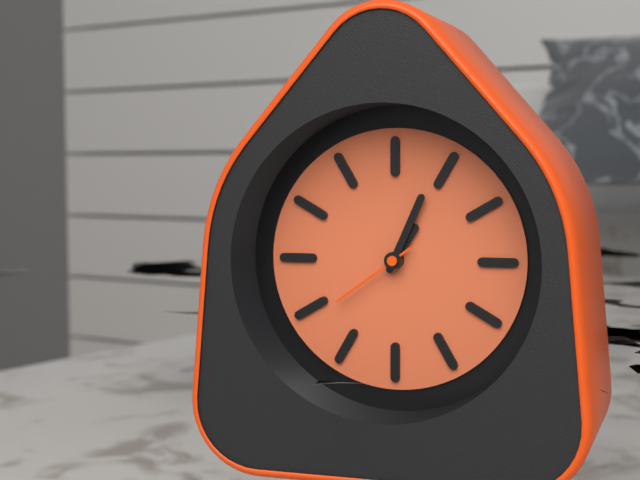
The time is {"hour": 1, "minute": 4, "second": 39}
